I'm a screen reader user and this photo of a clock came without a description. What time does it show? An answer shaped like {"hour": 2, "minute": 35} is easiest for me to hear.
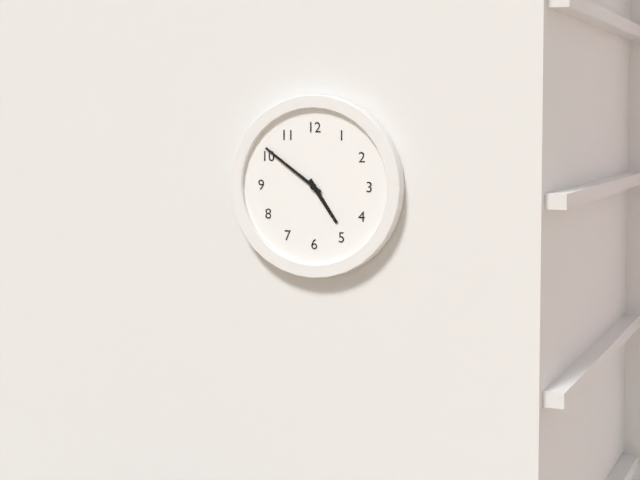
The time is {"hour": 4, "minute": 51}
